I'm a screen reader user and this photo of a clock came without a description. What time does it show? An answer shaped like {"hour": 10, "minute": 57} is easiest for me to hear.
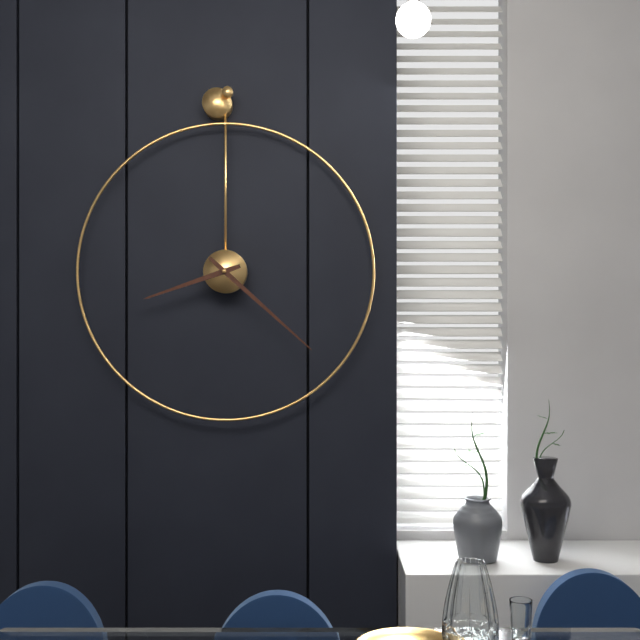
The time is {"hour": 8, "minute": 22}
